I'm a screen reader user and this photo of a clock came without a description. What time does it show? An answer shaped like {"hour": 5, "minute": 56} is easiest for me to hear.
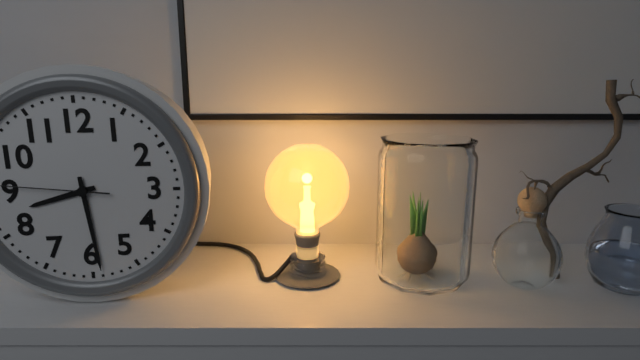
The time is {"hour": 8, "minute": 29}
